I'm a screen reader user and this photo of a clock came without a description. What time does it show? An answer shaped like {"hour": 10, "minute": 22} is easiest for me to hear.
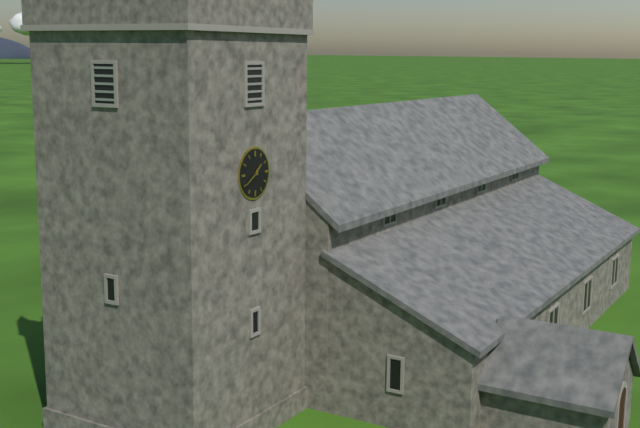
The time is {"hour": 1, "minute": 40}
